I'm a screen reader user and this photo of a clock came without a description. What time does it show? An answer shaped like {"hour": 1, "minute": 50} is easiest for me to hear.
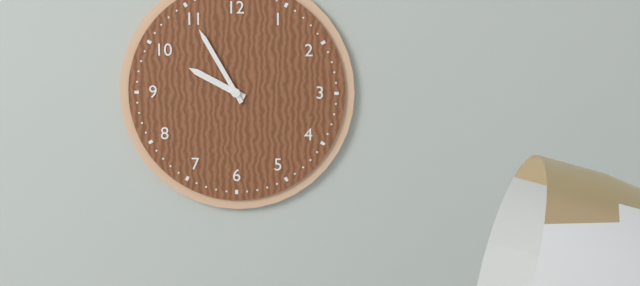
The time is {"hour": 9, "minute": 55}
